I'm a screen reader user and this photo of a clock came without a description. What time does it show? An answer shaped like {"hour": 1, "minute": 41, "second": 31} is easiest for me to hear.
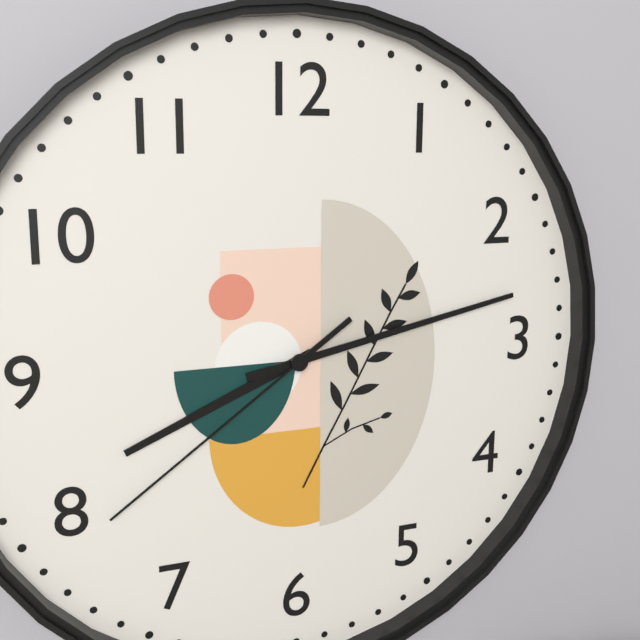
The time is {"hour": 8, "minute": 13, "second": 39}
